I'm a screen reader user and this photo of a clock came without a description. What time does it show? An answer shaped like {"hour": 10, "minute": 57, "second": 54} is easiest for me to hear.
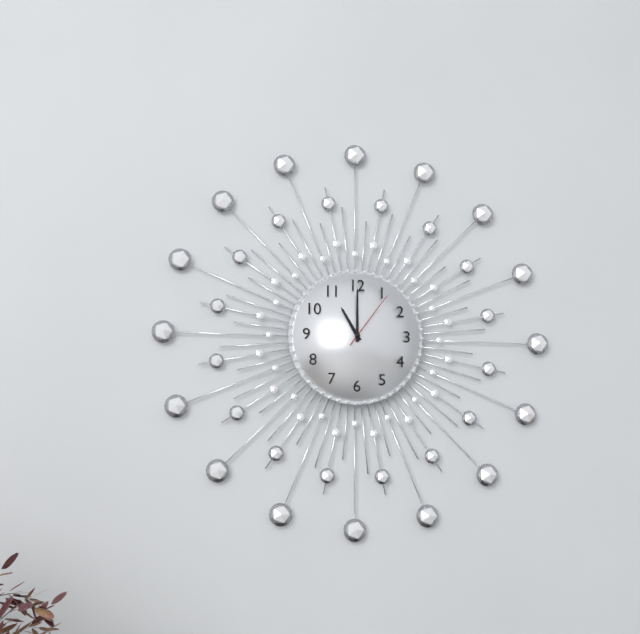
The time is {"hour": 11, "minute": 0, "second": 6}
